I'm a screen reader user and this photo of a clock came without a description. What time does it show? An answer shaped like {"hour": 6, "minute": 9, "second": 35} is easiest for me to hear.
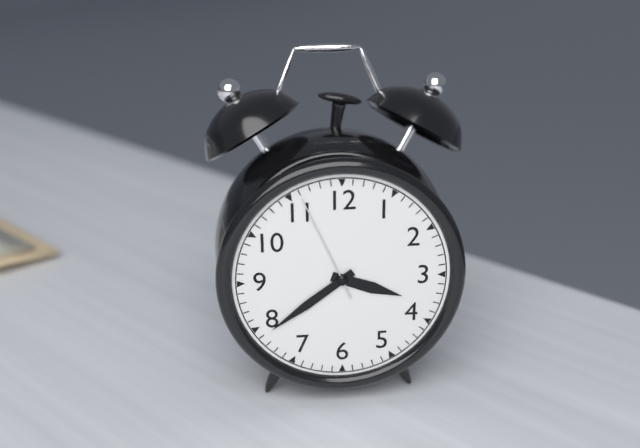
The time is {"hour": 3, "minute": 39, "second": 56}
